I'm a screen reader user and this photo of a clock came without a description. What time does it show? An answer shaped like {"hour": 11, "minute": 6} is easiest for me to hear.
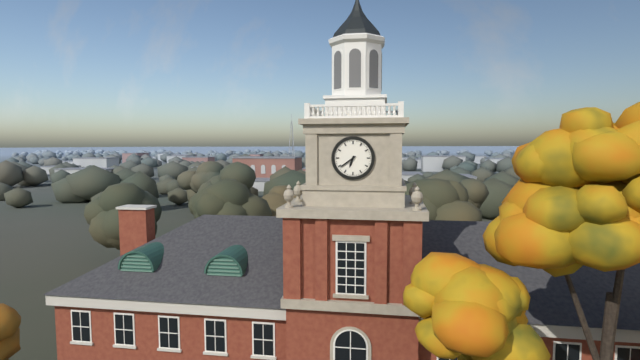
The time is {"hour": 6, "minute": 39}
